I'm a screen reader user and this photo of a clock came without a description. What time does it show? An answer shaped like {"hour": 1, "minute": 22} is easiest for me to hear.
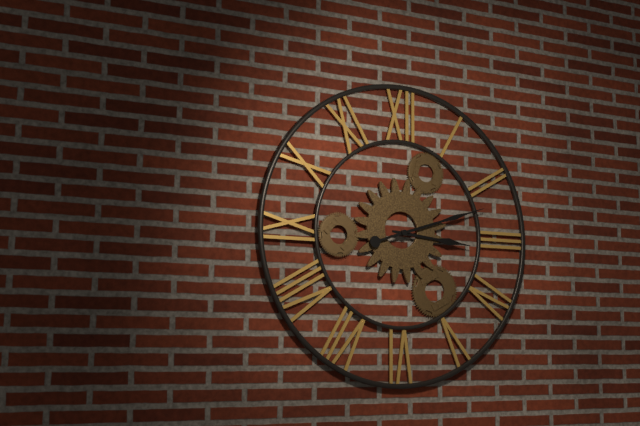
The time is {"hour": 3, "minute": 12}
